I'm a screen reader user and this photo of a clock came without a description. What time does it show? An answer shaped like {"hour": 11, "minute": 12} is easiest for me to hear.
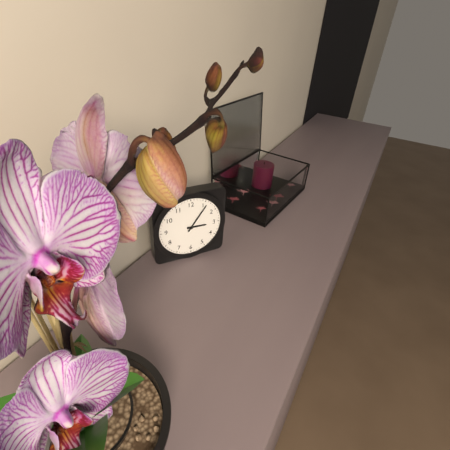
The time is {"hour": 3, "minute": 6}
